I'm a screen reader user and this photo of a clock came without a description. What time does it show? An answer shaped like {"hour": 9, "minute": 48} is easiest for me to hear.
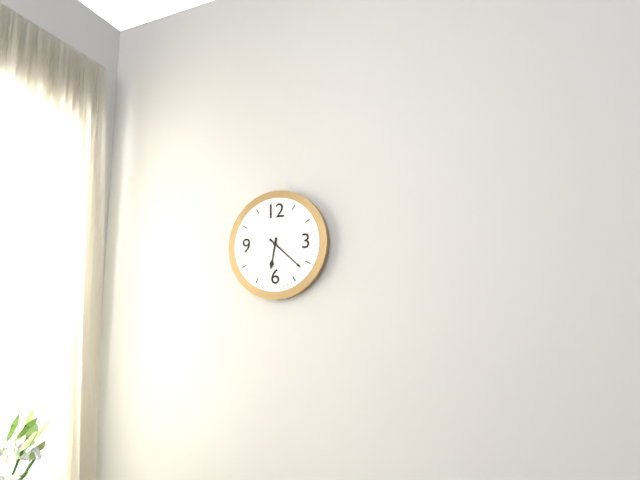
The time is {"hour": 6, "minute": 22}
